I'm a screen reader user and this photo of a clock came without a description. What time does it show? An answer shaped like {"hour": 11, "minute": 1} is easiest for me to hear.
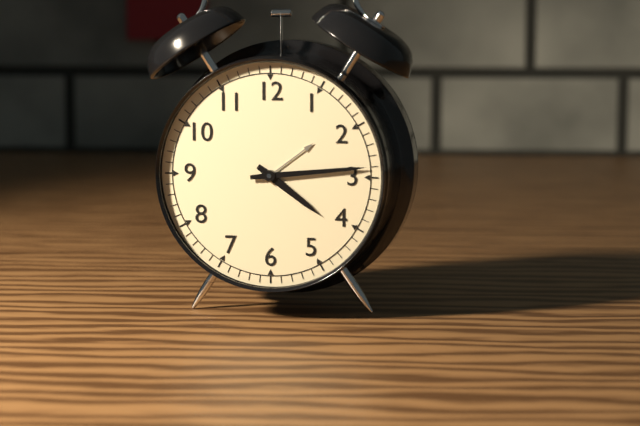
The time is {"hour": 4, "minute": 14}
